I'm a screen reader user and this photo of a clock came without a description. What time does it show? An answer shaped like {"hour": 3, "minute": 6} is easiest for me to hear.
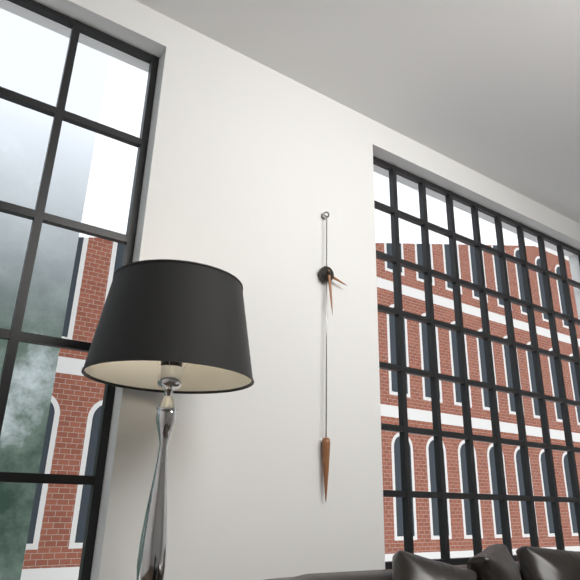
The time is {"hour": 3, "minute": 29}
